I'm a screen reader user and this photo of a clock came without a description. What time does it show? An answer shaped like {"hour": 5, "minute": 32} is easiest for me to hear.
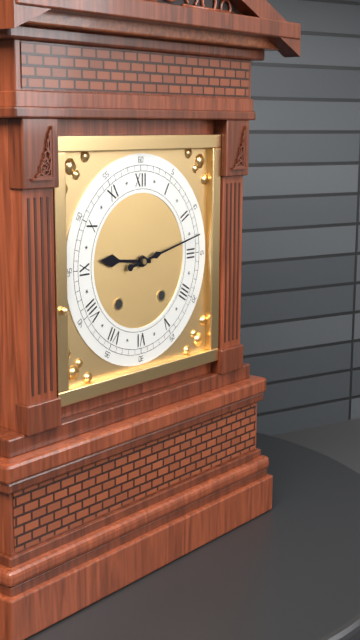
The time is {"hour": 9, "minute": 13}
